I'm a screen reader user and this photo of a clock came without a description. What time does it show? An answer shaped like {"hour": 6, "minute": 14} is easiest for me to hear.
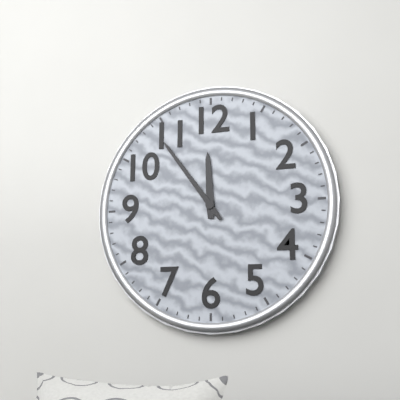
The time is {"hour": 11, "minute": 54}
